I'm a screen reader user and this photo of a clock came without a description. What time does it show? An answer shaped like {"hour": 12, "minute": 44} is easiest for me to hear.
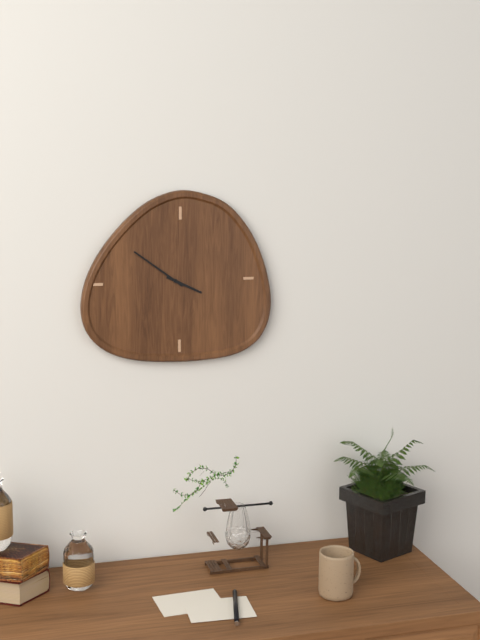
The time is {"hour": 3, "minute": 51}
